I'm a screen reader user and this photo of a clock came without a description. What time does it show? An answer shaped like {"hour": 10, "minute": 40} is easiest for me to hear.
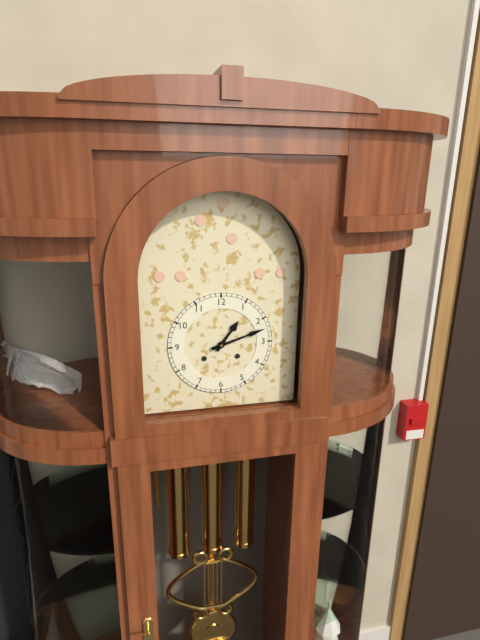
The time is {"hour": 1, "minute": 12}
